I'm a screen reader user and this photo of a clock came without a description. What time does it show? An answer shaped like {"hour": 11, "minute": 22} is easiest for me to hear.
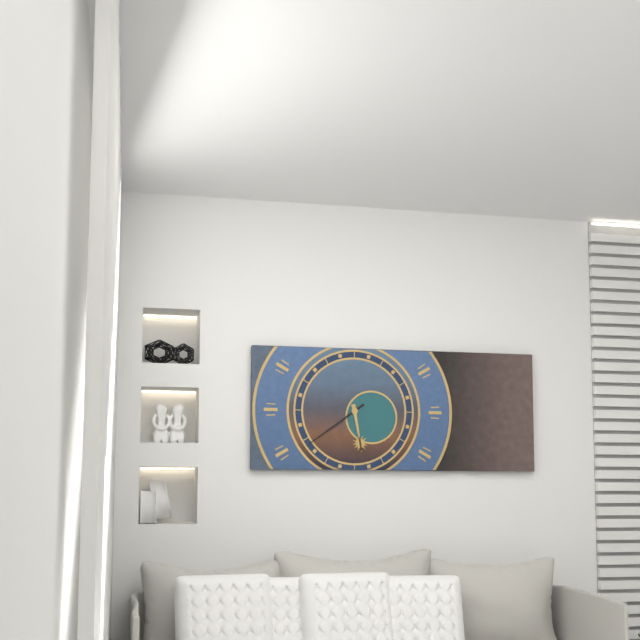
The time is {"hour": 5, "minute": 39}
